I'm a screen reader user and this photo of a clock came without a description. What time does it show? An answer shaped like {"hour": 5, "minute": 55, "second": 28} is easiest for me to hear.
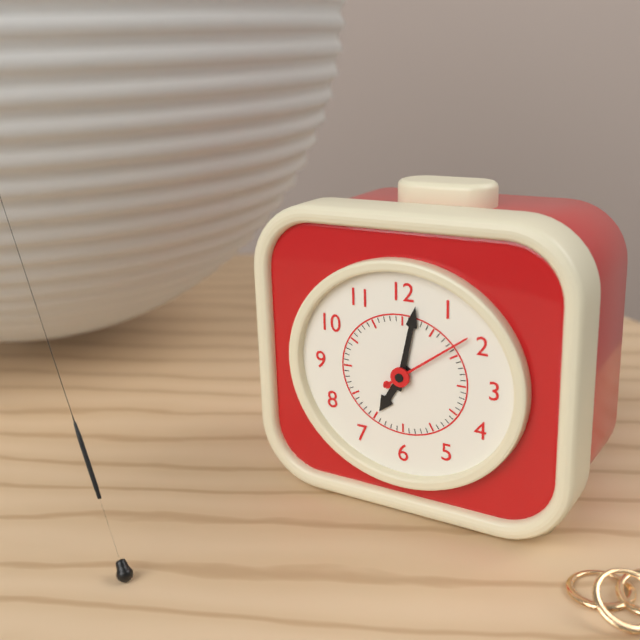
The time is {"hour": 7, "minute": 2, "second": 9}
